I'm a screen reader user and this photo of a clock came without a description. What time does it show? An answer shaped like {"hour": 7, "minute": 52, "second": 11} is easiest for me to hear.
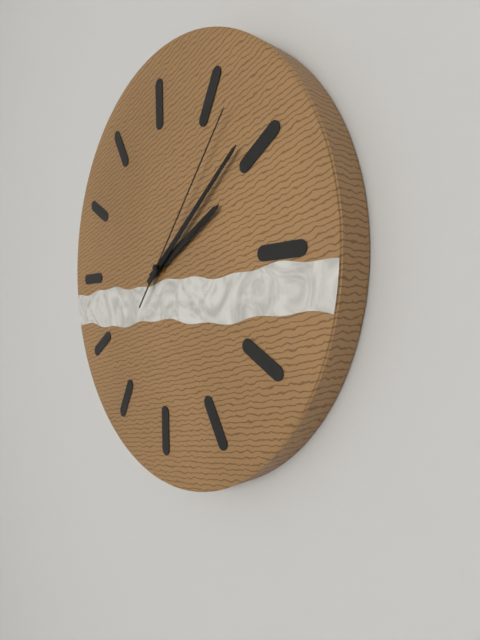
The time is {"hour": 2, "minute": 9, "second": 7}
